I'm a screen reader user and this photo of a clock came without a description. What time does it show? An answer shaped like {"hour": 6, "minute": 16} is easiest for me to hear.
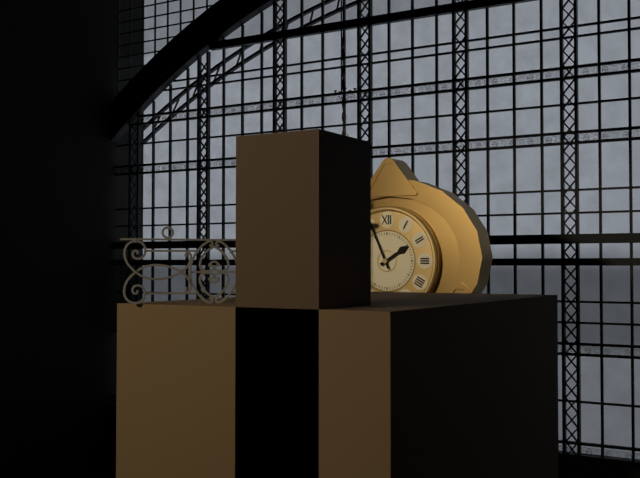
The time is {"hour": 1, "minute": 56}
